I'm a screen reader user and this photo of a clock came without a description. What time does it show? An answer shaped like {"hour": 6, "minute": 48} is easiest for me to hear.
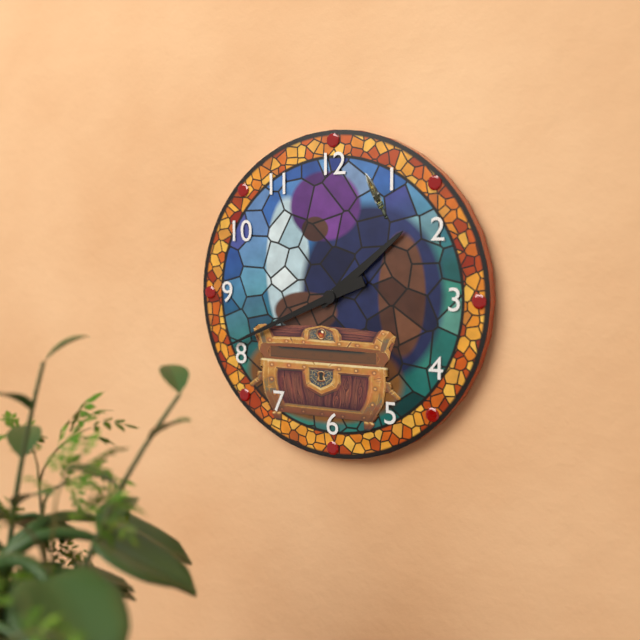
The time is {"hour": 1, "minute": 41}
